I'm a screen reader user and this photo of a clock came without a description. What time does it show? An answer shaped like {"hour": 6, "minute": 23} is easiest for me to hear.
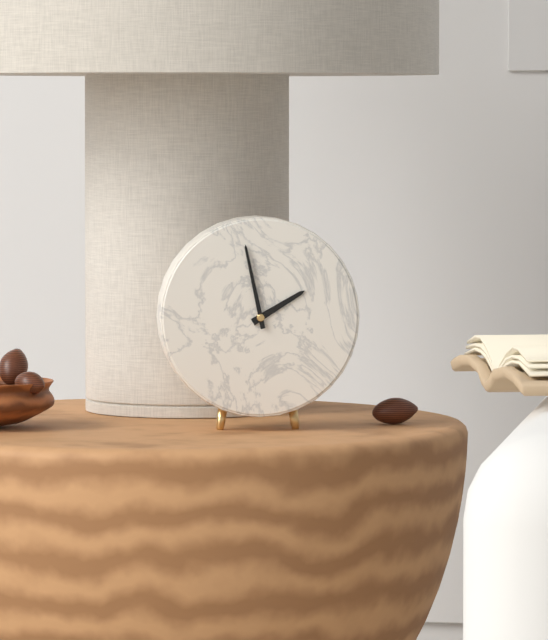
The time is {"hour": 1, "minute": 58}
